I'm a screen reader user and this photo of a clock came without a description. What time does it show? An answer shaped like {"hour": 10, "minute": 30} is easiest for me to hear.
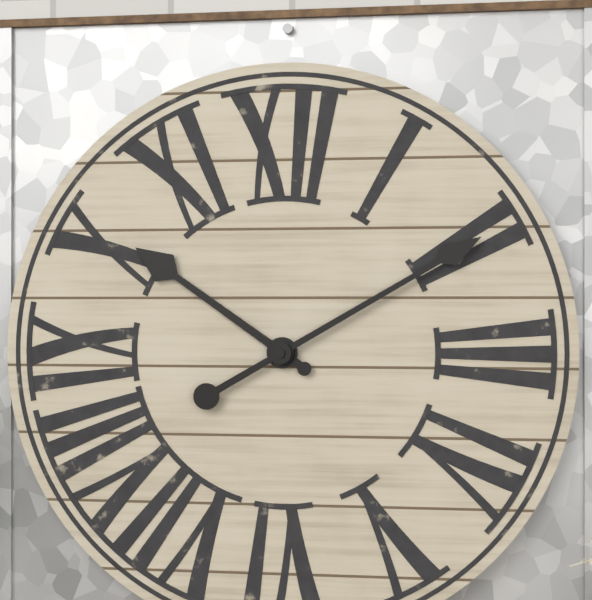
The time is {"hour": 10, "minute": 10}
